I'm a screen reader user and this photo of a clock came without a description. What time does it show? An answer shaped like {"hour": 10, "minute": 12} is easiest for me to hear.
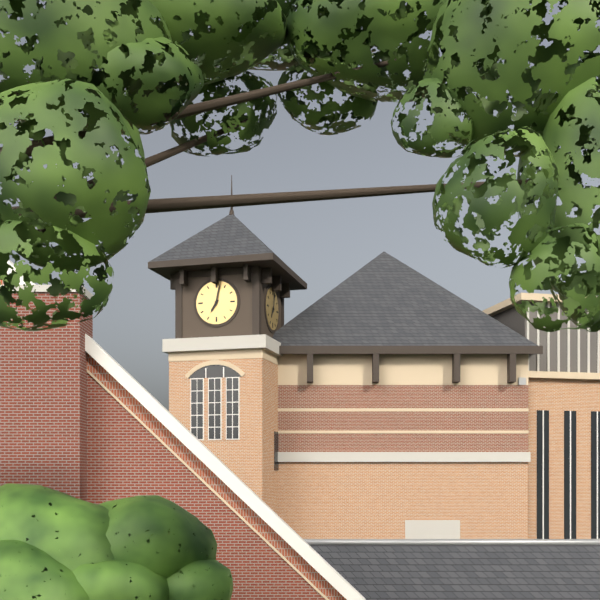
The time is {"hour": 7, "minute": 2}
